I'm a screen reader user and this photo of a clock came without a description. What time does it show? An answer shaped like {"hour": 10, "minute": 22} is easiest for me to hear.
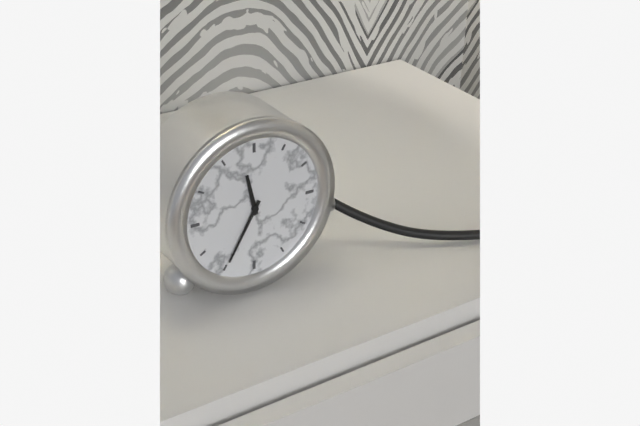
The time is {"hour": 11, "minute": 35}
